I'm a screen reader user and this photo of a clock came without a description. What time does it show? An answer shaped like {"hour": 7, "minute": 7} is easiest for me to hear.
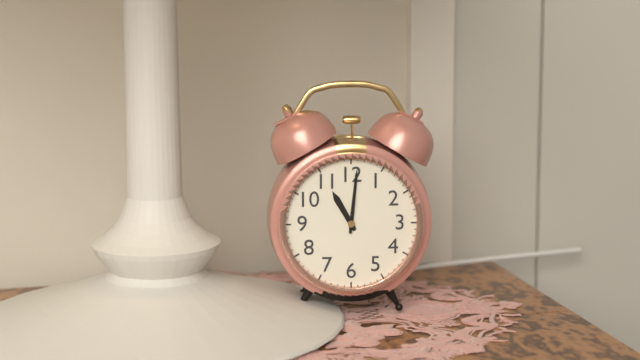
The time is {"hour": 11, "minute": 1}
